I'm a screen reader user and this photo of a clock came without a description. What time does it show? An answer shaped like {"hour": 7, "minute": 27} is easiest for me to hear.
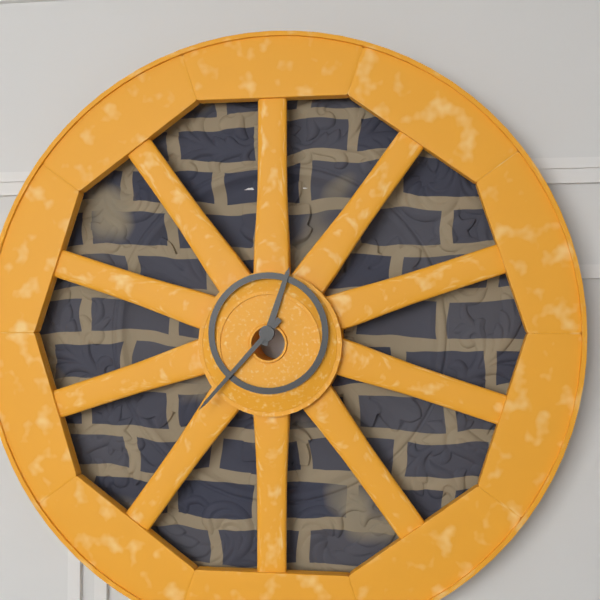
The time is {"hour": 12, "minute": 37}
